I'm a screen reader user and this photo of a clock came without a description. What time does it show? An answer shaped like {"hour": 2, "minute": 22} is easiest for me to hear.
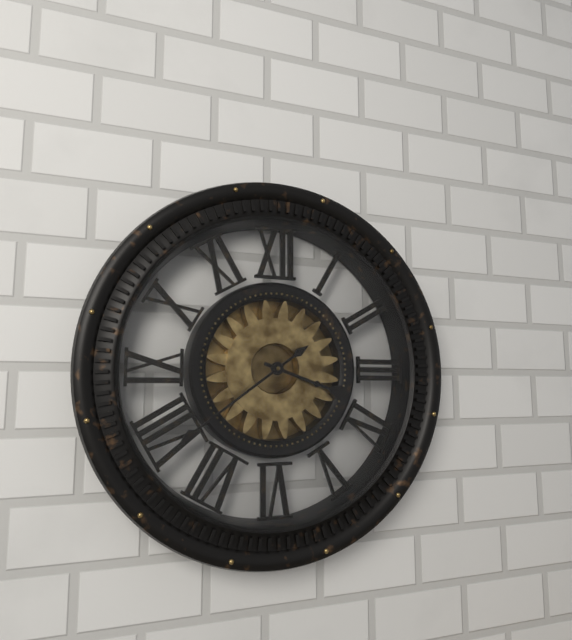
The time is {"hour": 3, "minute": 39}
